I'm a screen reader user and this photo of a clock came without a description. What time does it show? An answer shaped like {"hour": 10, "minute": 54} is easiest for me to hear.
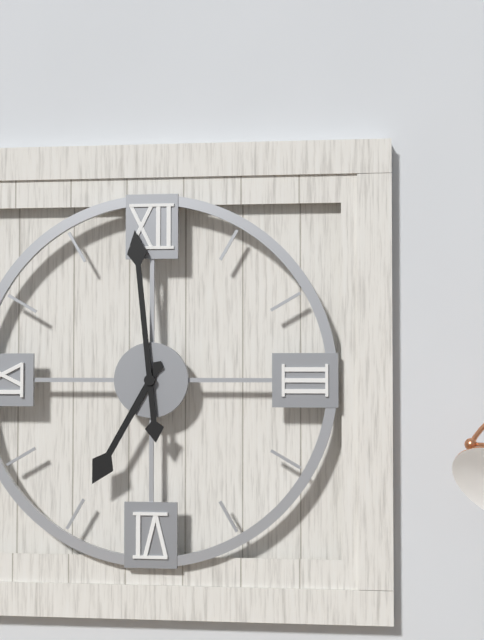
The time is {"hour": 6, "minute": 59}
